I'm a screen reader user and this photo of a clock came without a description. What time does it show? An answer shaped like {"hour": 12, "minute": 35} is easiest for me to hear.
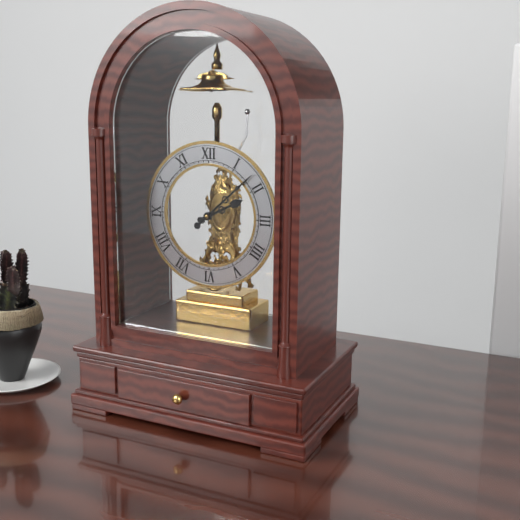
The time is {"hour": 2, "minute": 8}
